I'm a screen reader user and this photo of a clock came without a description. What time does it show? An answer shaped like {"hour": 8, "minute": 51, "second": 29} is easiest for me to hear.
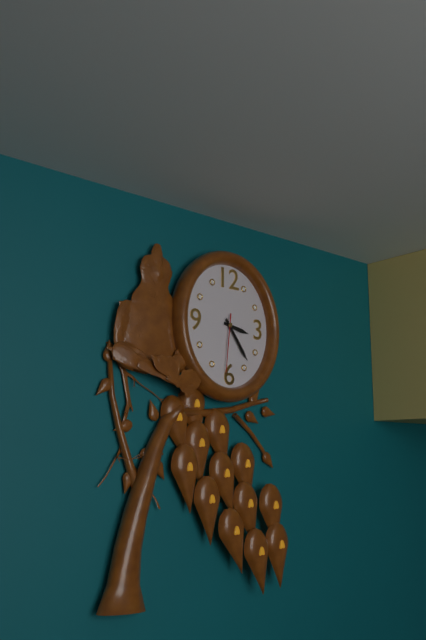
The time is {"hour": 3, "minute": 24, "second": 31}
